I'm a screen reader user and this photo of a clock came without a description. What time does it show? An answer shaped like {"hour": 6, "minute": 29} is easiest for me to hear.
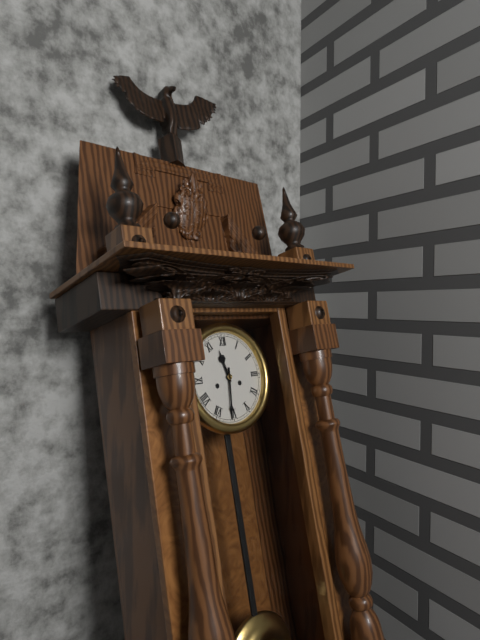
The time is {"hour": 11, "minute": 31}
